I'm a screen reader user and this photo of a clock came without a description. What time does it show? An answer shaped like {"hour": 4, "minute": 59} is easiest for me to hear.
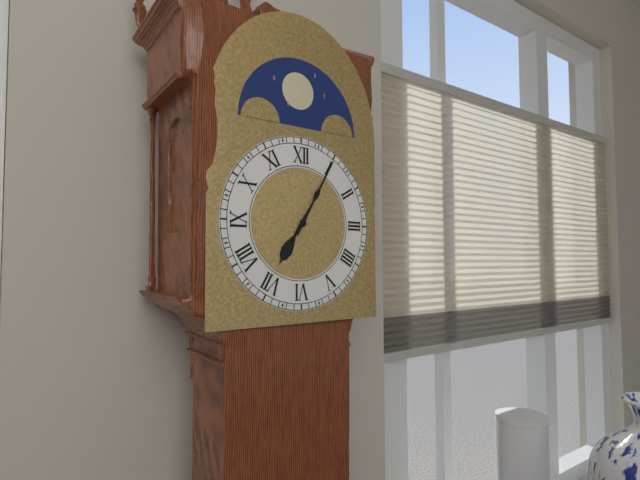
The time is {"hour": 7, "minute": 5}
